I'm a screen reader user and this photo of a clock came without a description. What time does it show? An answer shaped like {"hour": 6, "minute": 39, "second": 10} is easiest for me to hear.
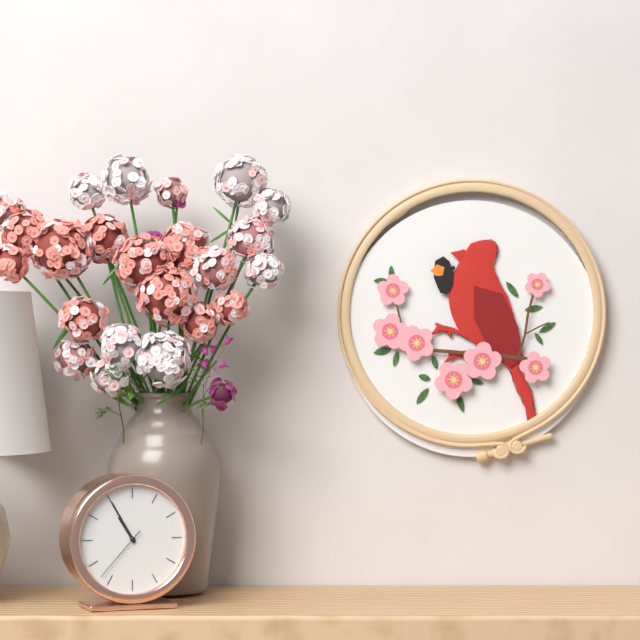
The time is {"hour": 10, "minute": 55, "second": 37}
